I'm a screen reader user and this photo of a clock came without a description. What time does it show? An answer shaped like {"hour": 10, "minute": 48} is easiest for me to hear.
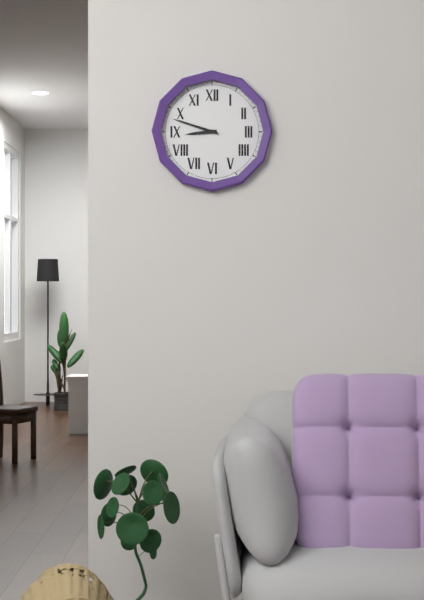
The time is {"hour": 8, "minute": 48}
